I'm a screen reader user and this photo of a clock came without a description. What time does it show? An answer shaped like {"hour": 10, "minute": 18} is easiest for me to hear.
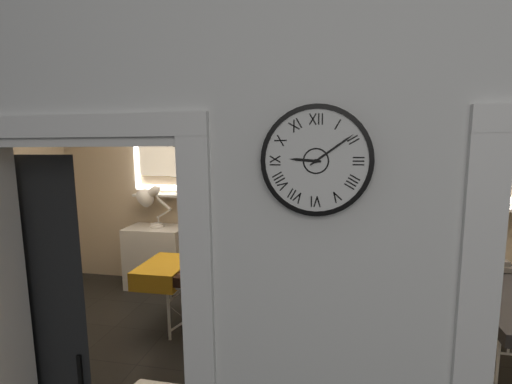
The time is {"hour": 9, "minute": 9}
